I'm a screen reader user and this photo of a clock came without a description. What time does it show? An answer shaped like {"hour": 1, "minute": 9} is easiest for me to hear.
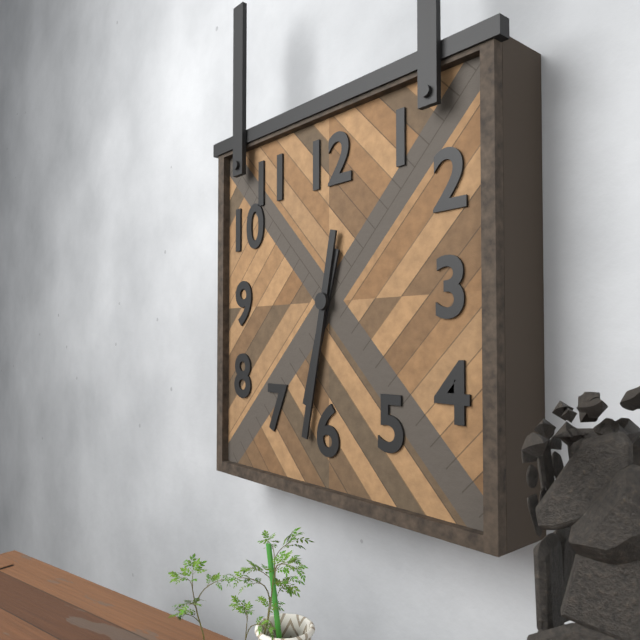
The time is {"hour": 6, "minute": 32}
